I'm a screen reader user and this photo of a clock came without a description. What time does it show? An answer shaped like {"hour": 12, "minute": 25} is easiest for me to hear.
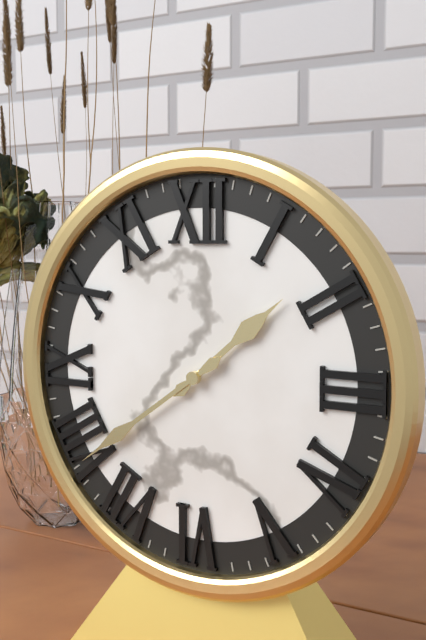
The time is {"hour": 1, "minute": 39}
